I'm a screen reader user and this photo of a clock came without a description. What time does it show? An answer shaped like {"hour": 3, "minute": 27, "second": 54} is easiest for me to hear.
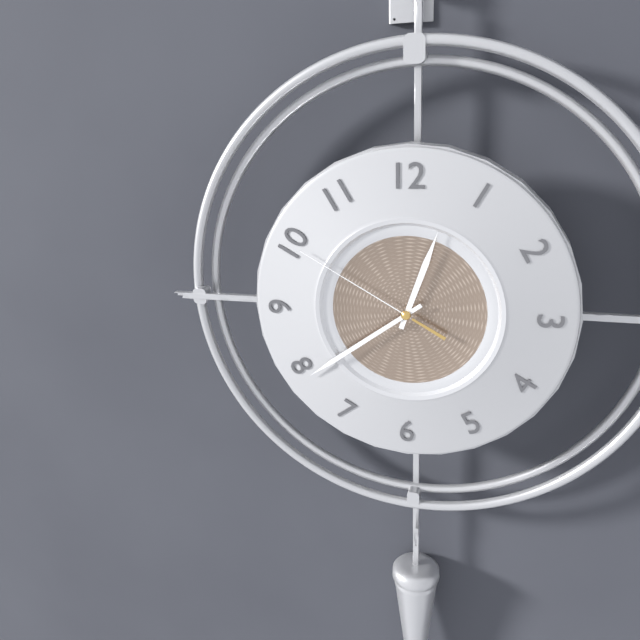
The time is {"hour": 12, "minute": 39, "second": 50}
